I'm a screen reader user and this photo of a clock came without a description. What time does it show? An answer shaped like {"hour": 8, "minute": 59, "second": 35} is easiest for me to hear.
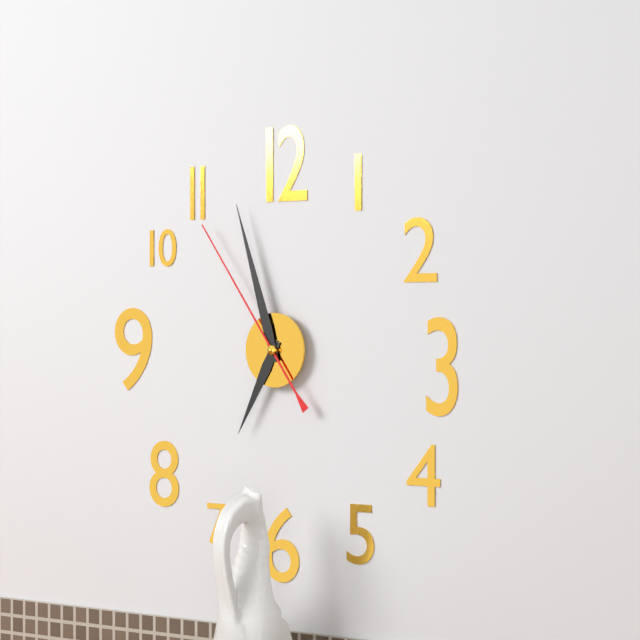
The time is {"hour": 6, "minute": 57, "second": 54}
